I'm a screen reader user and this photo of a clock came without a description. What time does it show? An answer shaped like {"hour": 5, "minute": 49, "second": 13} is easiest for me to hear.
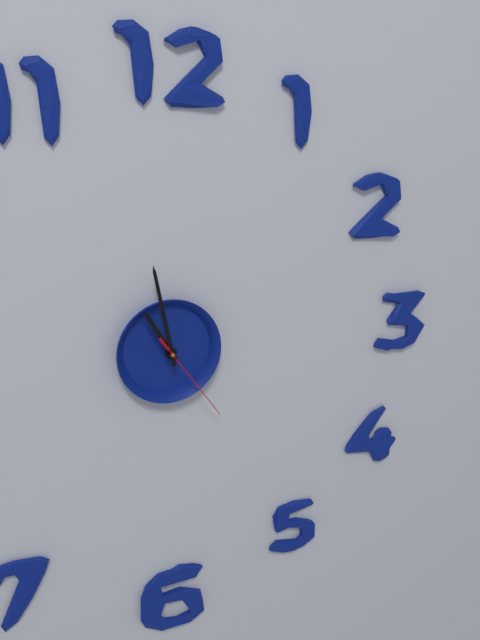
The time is {"hour": 10, "minute": 58, "second": 24}
